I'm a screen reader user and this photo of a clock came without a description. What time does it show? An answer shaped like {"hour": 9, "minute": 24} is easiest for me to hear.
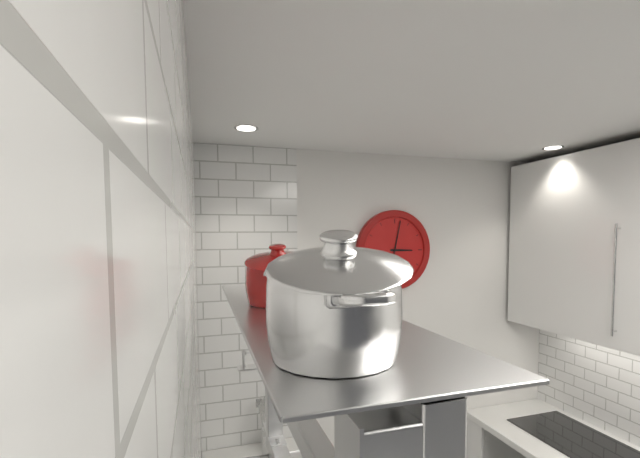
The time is {"hour": 3, "minute": 2}
